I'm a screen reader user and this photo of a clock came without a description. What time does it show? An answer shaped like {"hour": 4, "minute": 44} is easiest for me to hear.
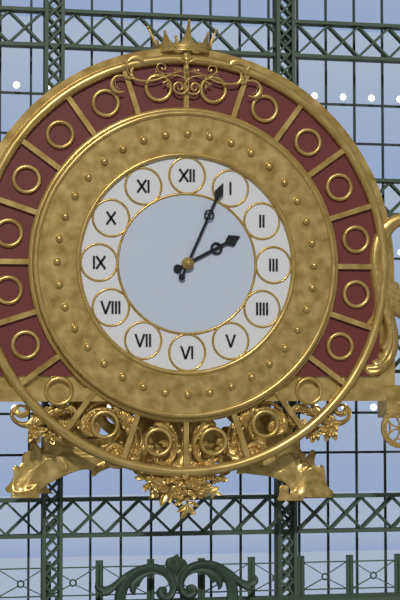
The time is {"hour": 2, "minute": 4}
